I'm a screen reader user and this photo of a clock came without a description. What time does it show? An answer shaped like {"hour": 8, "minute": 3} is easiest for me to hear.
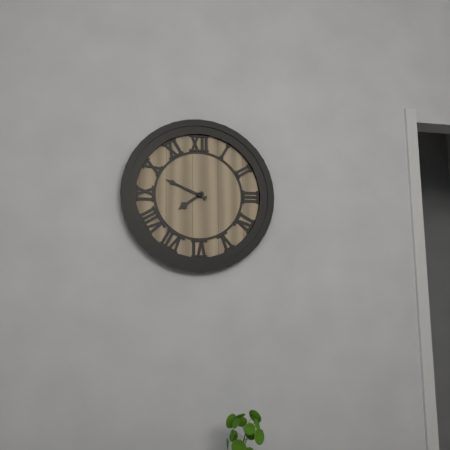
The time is {"hour": 7, "minute": 49}
